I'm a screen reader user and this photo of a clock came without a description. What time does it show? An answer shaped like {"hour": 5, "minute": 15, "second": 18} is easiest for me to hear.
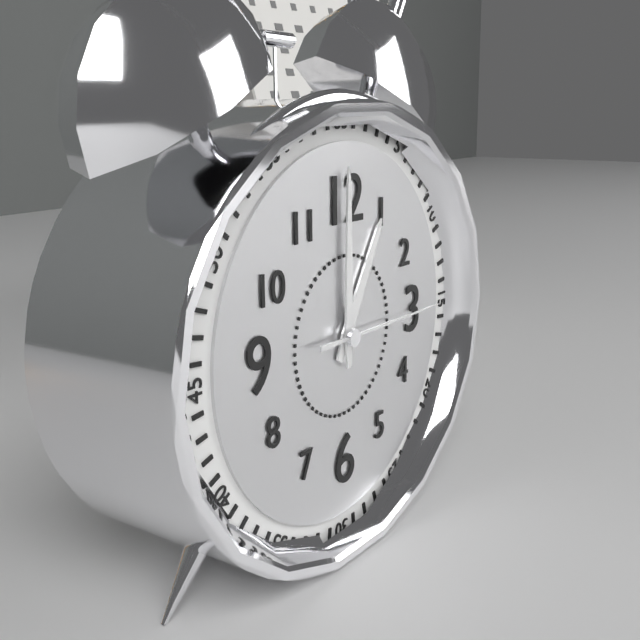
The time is {"hour": 1, "minute": 0, "second": 15}
